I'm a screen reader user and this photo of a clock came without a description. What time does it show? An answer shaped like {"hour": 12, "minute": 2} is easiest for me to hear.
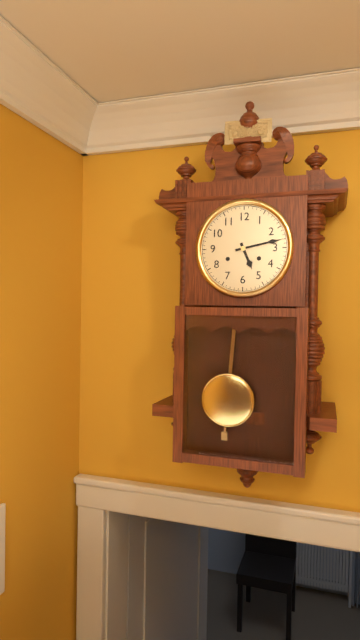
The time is {"hour": 5, "minute": 13}
